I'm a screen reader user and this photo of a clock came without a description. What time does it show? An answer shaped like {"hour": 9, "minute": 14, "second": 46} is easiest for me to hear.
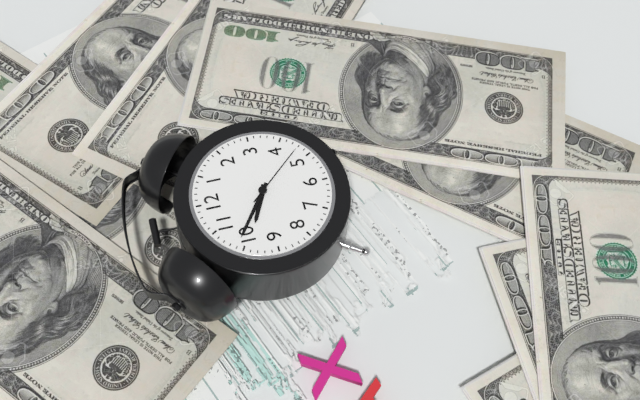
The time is {"hour": 9, "minute": 51, "second": 23}
